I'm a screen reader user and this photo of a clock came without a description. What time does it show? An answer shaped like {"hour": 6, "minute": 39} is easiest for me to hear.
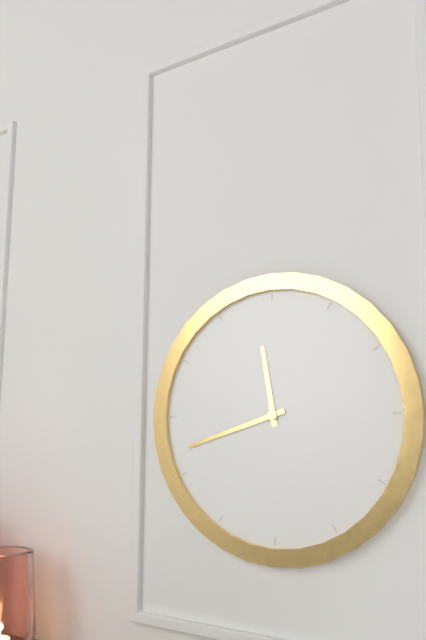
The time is {"hour": 11, "minute": 42}
